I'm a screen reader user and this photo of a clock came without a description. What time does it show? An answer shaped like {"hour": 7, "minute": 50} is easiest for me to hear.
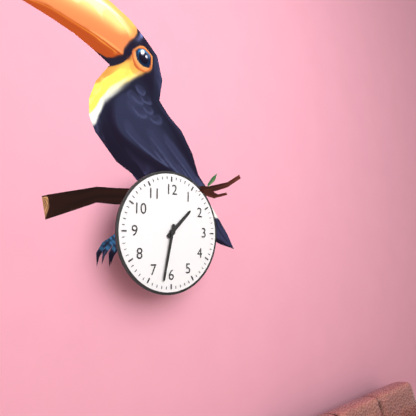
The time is {"hour": 1, "minute": 32}
